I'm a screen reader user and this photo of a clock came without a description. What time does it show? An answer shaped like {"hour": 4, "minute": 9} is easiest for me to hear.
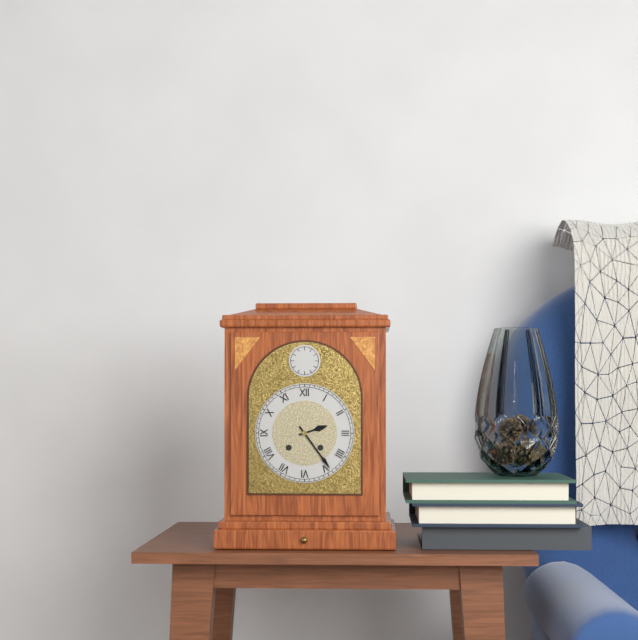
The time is {"hour": 2, "minute": 24}
